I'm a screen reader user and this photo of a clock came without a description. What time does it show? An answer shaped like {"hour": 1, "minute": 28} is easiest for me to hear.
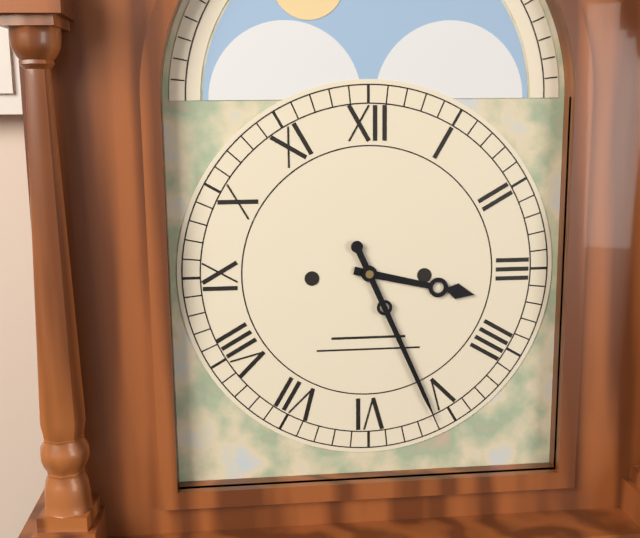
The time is {"hour": 3, "minute": 26}
